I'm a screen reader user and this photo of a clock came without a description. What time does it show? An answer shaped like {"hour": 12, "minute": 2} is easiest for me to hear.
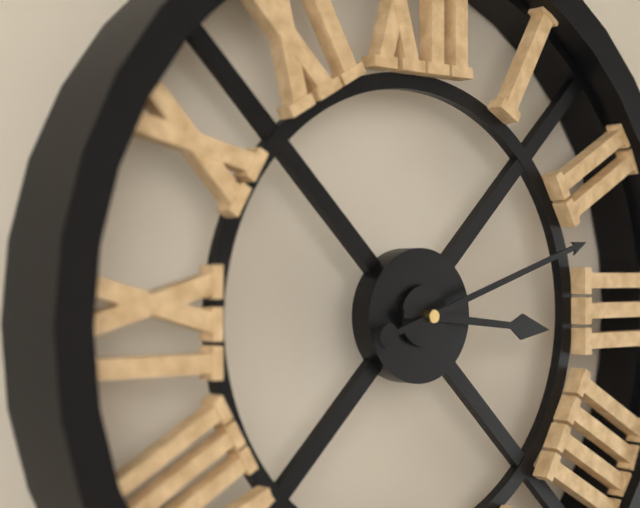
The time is {"hour": 3, "minute": 12}
